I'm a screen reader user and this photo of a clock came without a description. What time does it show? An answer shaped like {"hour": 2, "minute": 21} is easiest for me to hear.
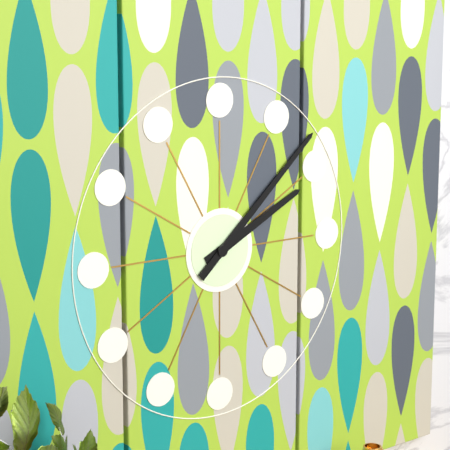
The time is {"hour": 2, "minute": 8}
